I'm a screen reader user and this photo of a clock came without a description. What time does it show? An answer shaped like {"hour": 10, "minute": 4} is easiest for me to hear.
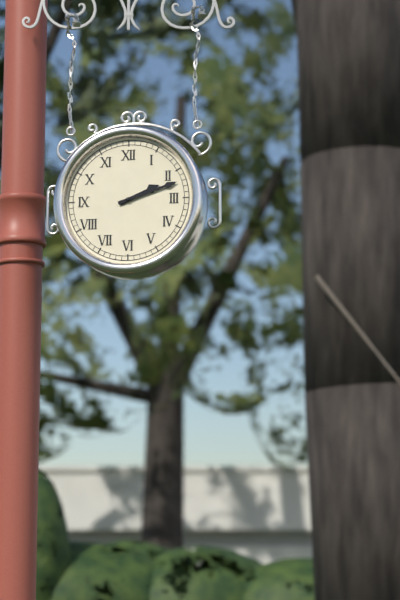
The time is {"hour": 2, "minute": 12}
